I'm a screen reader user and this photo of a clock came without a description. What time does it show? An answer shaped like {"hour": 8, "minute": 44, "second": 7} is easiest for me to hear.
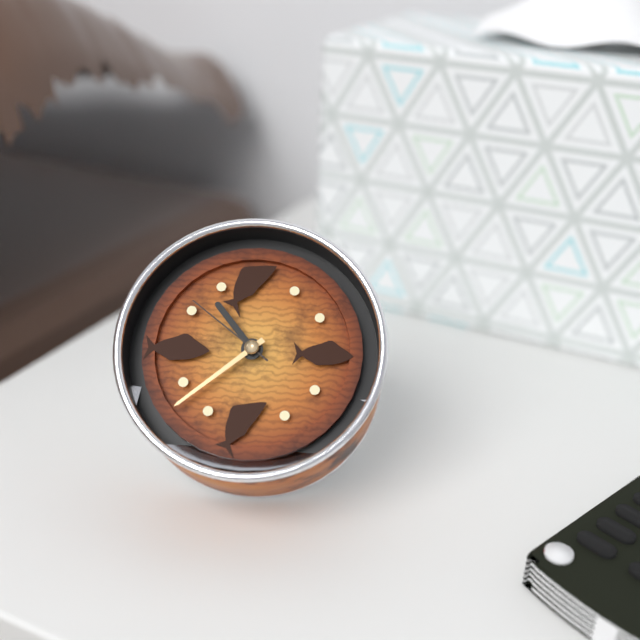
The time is {"hour": 10, "minute": 38, "second": 51}
